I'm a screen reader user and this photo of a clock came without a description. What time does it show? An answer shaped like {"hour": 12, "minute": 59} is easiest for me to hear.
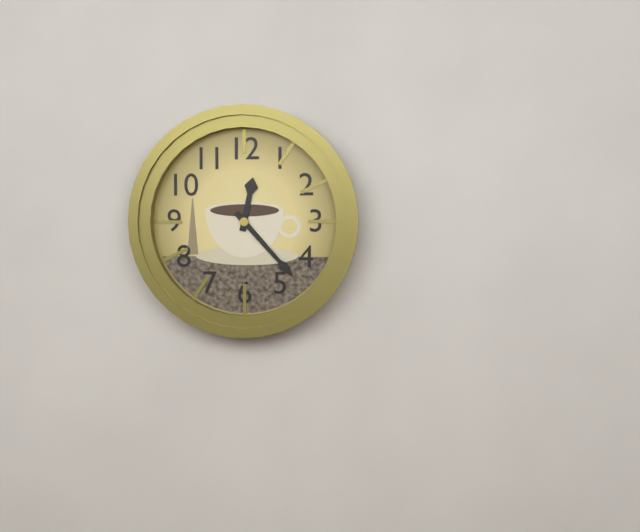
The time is {"hour": 12, "minute": 23}
